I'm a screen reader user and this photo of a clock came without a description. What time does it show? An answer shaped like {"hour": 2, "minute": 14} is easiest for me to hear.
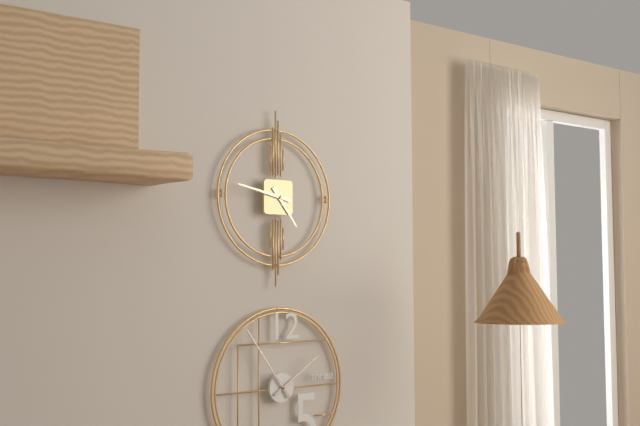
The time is {"hour": 4, "minute": 47}
